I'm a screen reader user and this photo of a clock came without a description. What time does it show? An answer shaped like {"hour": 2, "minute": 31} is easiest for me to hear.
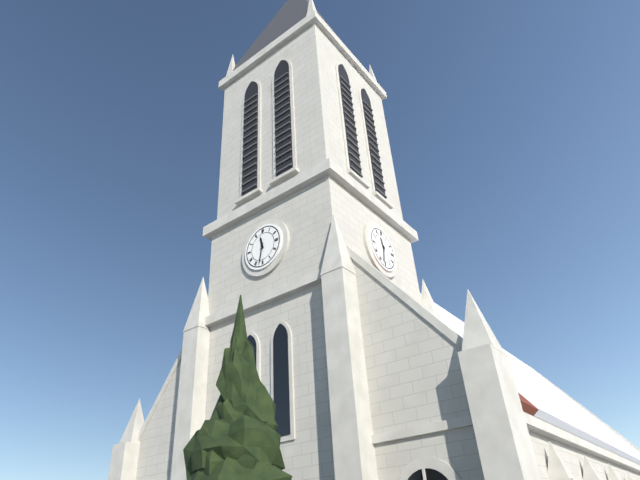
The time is {"hour": 11, "minute": 32}
